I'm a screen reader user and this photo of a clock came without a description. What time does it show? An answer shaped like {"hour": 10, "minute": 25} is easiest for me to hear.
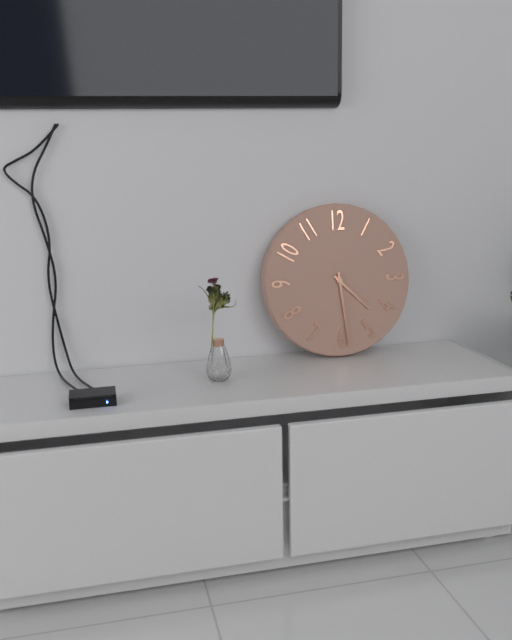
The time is {"hour": 4, "minute": 29}
